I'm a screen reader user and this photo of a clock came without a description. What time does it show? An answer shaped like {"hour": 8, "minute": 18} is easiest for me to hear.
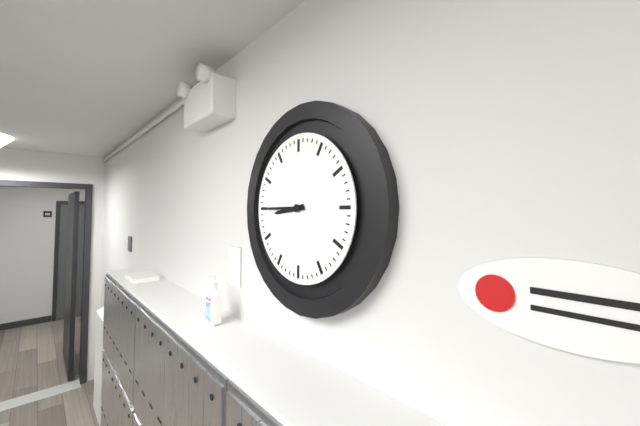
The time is {"hour": 8, "minute": 45}
